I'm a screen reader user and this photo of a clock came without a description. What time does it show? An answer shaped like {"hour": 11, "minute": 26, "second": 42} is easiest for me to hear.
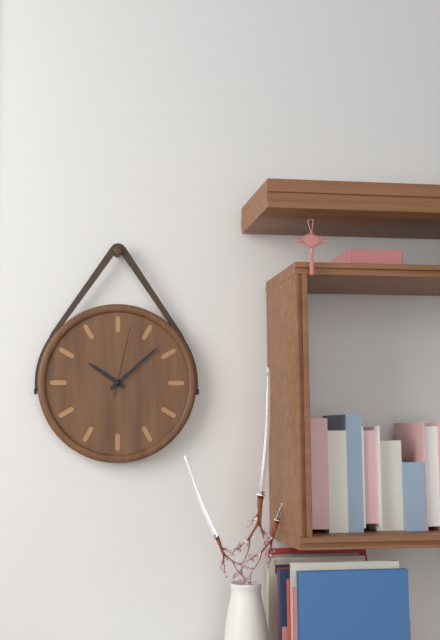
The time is {"hour": 10, "minute": 8, "second": 2}
